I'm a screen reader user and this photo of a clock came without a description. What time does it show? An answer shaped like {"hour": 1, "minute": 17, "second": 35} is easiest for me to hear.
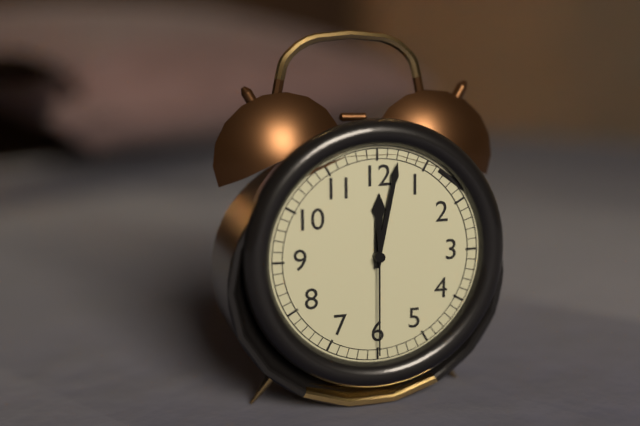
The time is {"hour": 12, "minute": 2, "second": 30}
